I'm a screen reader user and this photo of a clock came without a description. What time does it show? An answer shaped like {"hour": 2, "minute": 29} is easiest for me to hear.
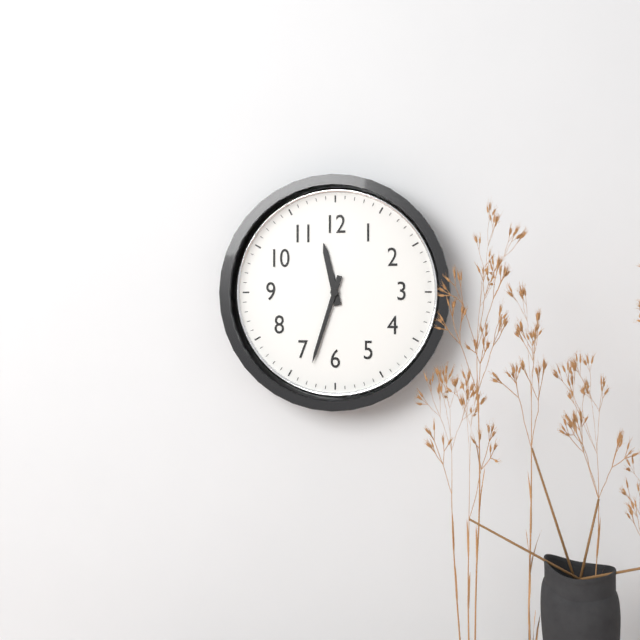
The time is {"hour": 11, "minute": 33}
